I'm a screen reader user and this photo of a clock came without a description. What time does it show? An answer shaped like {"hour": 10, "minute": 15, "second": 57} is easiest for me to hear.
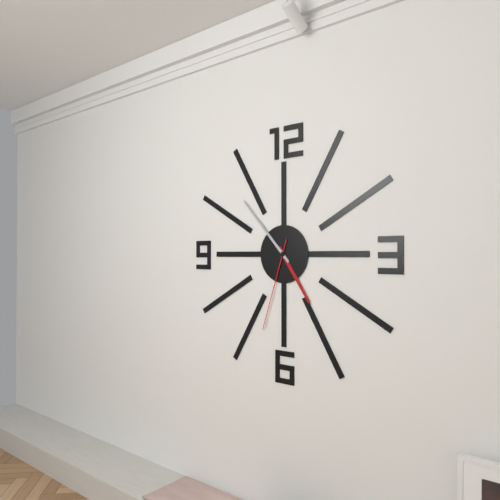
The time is {"hour": 4, "minute": 53, "second": 33}
